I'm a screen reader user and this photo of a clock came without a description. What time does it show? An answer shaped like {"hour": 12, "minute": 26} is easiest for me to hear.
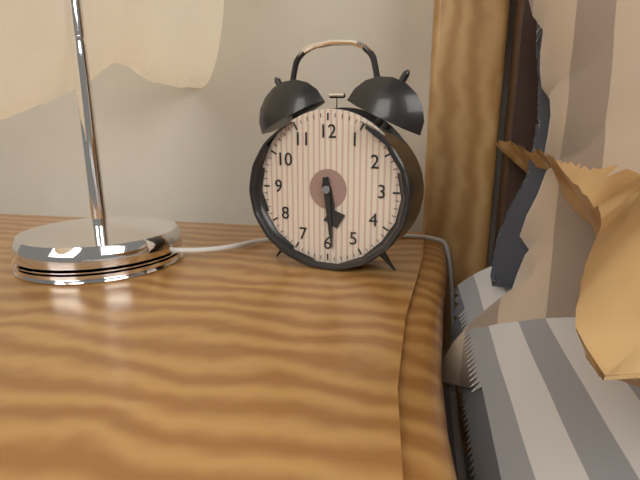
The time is {"hour": 5, "minute": 29}
